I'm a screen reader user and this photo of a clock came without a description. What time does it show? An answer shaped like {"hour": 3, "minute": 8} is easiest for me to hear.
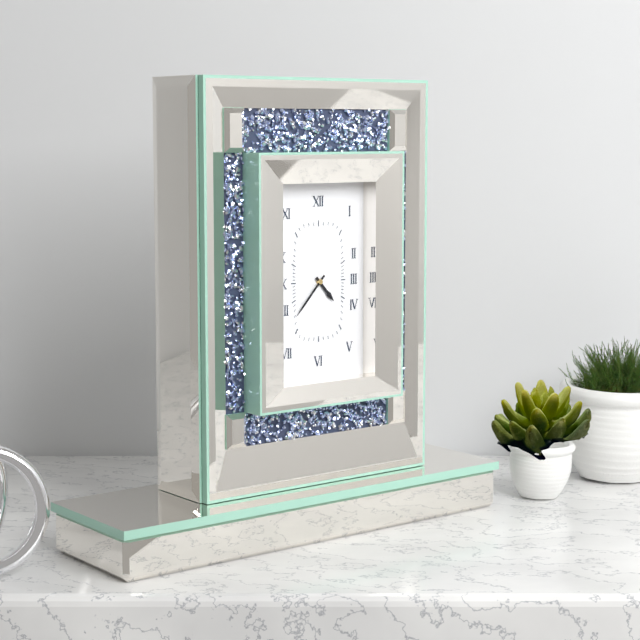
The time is {"hour": 4, "minute": 37}
